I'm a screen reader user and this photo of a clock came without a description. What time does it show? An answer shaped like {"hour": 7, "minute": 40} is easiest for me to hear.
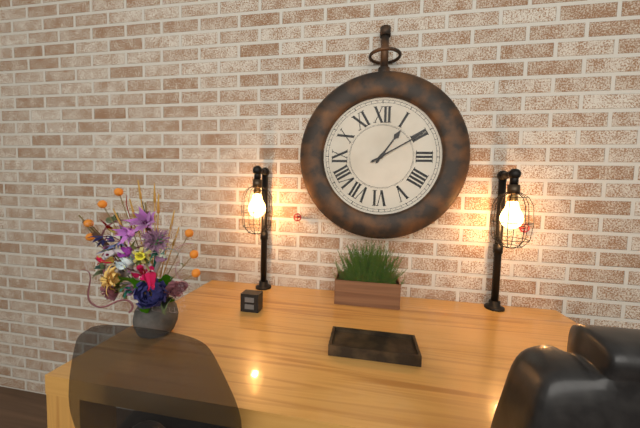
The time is {"hour": 1, "minute": 10}
